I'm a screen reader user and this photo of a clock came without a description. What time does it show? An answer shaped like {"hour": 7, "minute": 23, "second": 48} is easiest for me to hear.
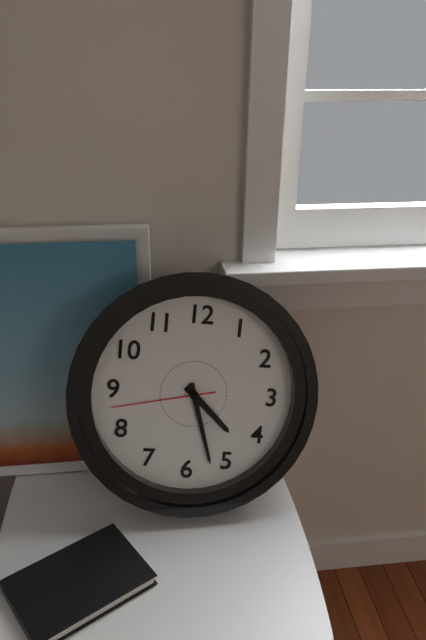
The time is {"hour": 4, "minute": 27, "second": 43}
